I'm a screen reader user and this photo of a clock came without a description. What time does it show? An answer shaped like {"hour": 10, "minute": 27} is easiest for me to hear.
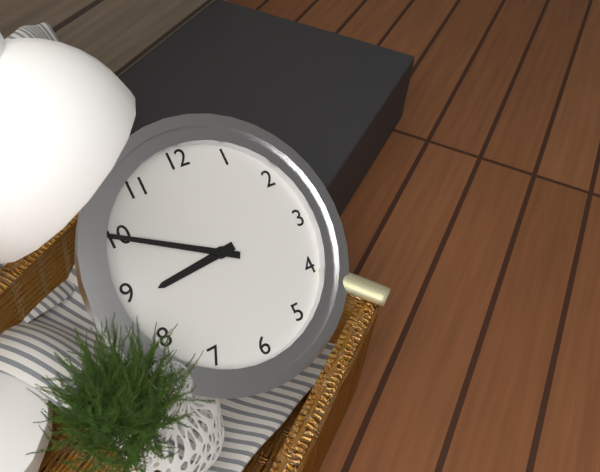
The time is {"hour": 8, "minute": 50}
